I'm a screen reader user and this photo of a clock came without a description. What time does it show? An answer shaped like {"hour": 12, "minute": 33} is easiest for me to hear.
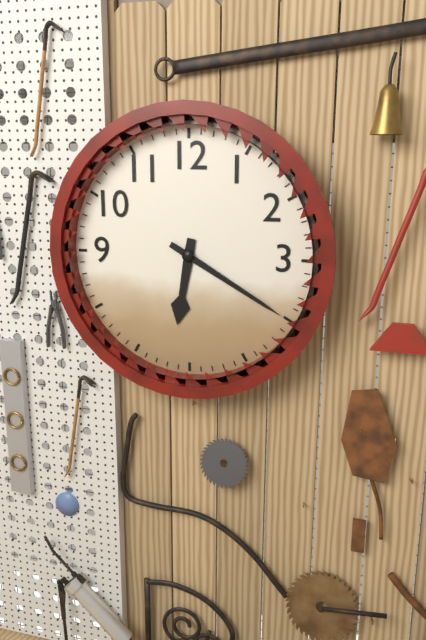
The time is {"hour": 6, "minute": 20}
